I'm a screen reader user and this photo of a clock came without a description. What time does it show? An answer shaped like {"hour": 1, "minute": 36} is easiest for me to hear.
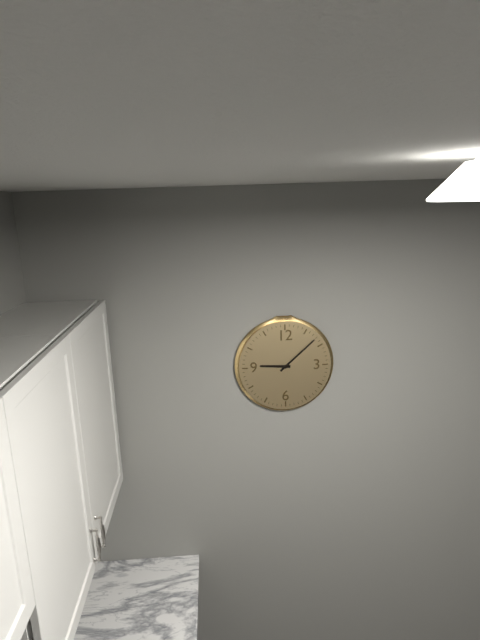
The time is {"hour": 9, "minute": 8}
